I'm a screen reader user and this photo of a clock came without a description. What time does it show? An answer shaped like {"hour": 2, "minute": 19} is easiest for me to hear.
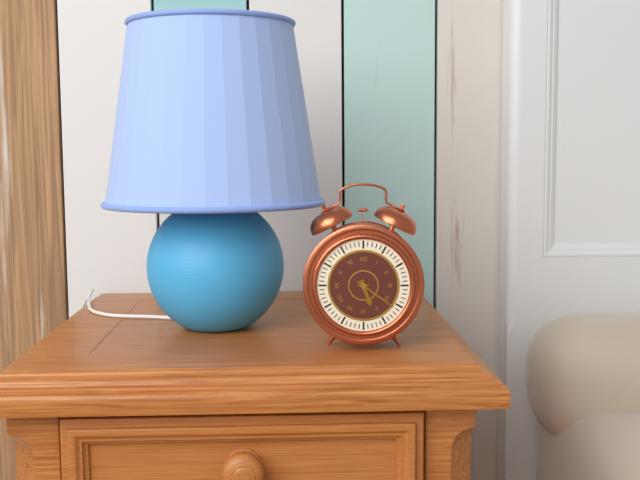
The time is {"hour": 5, "minute": 21}
